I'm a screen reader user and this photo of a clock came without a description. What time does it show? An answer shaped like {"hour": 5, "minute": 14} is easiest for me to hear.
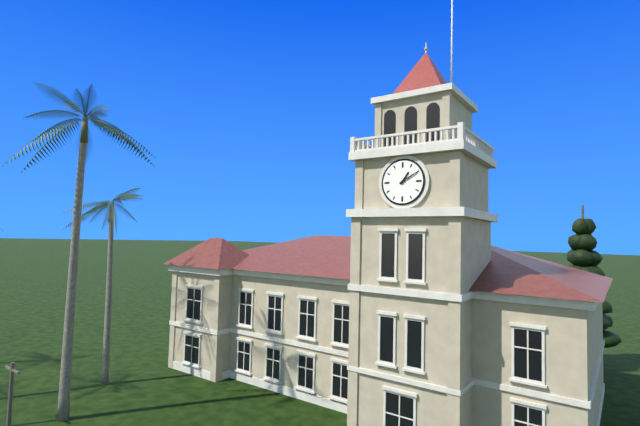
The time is {"hour": 1, "minute": 10}
